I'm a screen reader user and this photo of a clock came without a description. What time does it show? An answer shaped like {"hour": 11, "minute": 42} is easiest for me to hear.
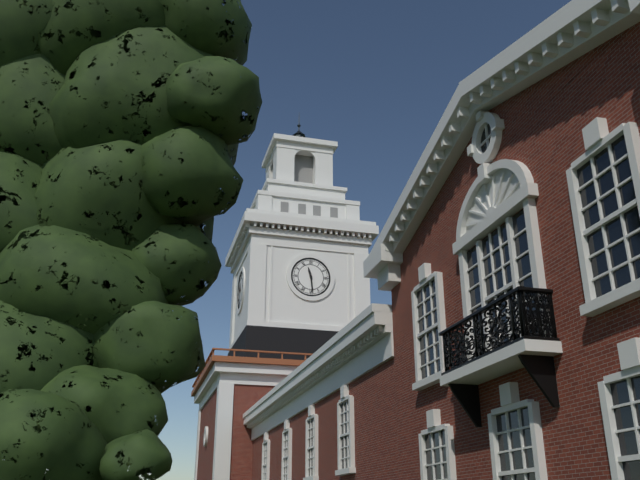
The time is {"hour": 11, "minute": 29}
